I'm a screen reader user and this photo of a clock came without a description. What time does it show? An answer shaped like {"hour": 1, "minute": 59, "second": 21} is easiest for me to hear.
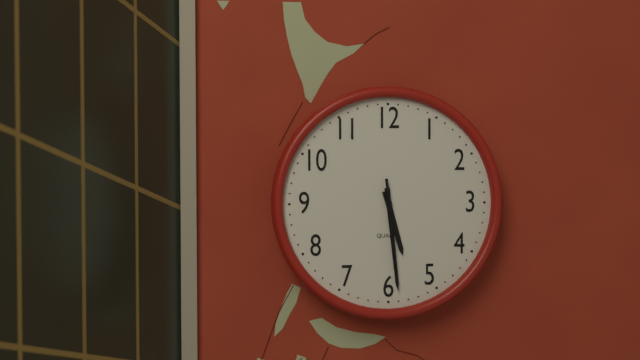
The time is {"hour": 5, "minute": 29, "second": 29}
